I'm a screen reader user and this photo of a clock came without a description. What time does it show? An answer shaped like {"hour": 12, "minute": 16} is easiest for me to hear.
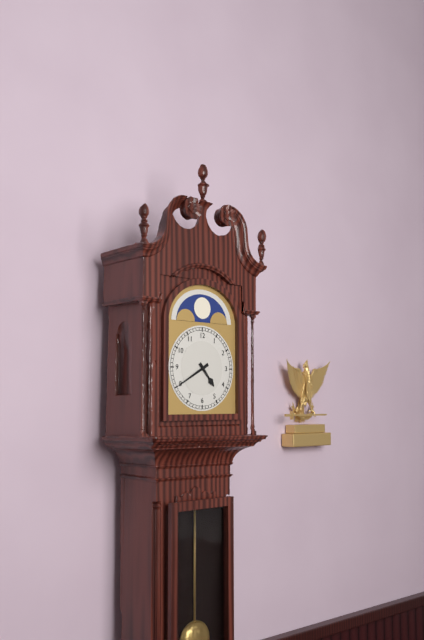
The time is {"hour": 4, "minute": 40}
